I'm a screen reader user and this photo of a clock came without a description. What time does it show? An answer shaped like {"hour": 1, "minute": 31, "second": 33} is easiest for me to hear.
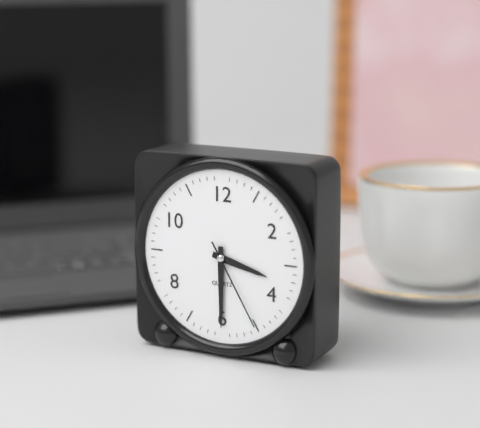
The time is {"hour": 3, "minute": 30, "second": 25}
